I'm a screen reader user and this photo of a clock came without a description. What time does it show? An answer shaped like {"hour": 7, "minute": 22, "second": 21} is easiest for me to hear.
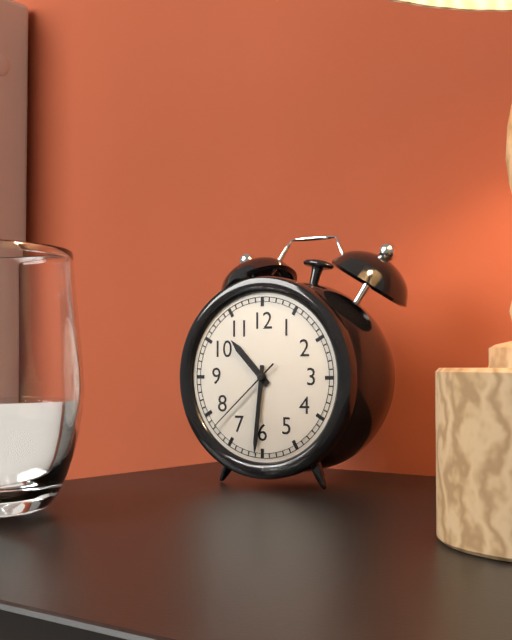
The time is {"hour": 10, "minute": 31, "second": 38}
